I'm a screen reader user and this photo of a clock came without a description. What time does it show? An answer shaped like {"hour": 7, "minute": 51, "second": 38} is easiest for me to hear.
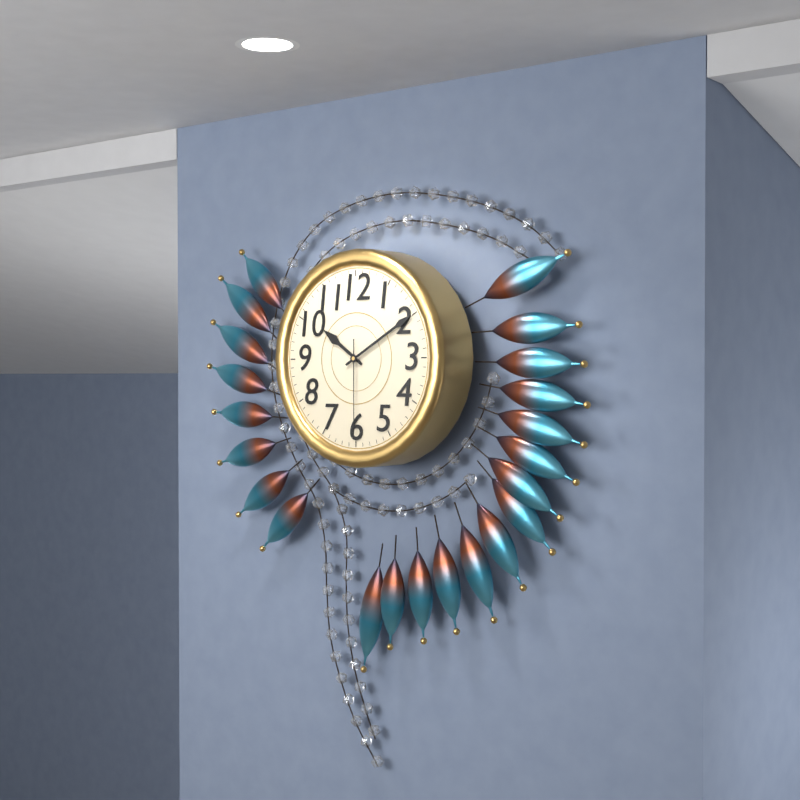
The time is {"hour": 10, "minute": 10, "second": 30}
